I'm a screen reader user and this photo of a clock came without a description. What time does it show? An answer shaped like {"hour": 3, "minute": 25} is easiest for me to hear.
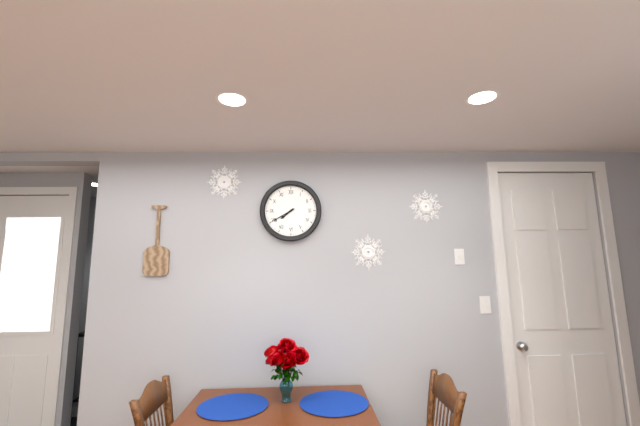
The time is {"hour": 7, "minute": 40}
